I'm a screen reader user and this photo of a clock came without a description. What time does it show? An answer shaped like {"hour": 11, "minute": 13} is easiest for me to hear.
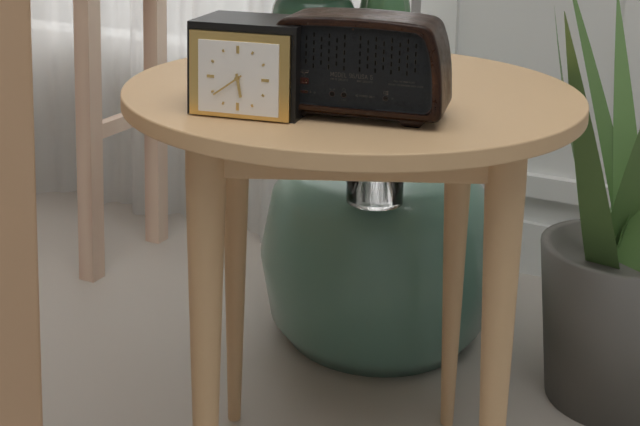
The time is {"hour": 5, "minute": 39}
